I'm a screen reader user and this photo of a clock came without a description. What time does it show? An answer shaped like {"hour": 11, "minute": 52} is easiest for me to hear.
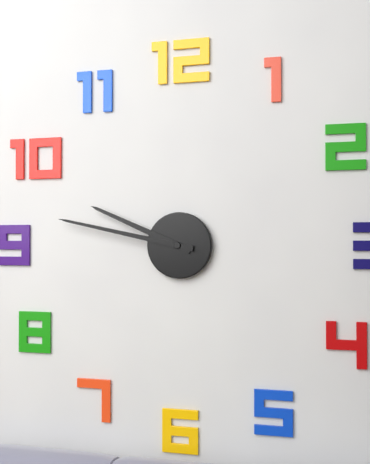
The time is {"hour": 9, "minute": 47}
